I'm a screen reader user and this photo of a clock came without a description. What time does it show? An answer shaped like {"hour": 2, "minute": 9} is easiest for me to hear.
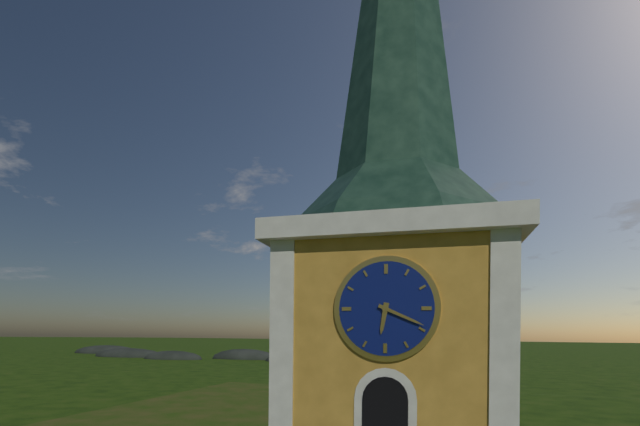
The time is {"hour": 6, "minute": 19}
